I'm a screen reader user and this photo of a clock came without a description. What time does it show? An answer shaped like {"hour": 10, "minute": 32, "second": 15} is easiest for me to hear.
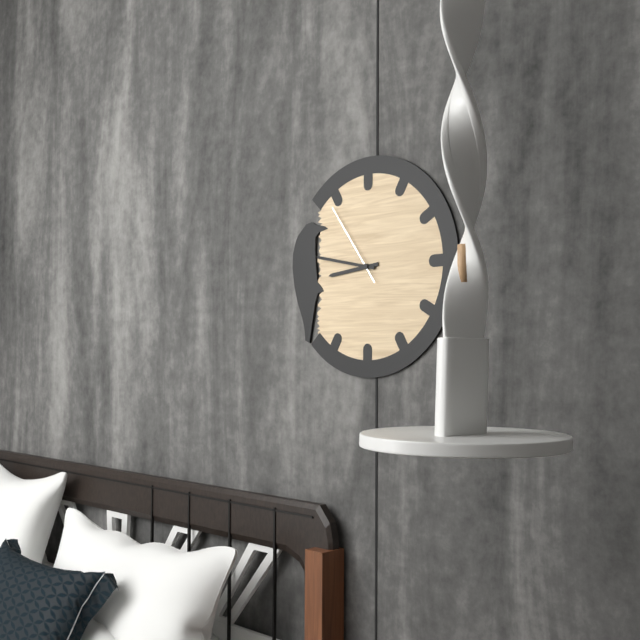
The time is {"hour": 8, "minute": 47, "second": 54}
